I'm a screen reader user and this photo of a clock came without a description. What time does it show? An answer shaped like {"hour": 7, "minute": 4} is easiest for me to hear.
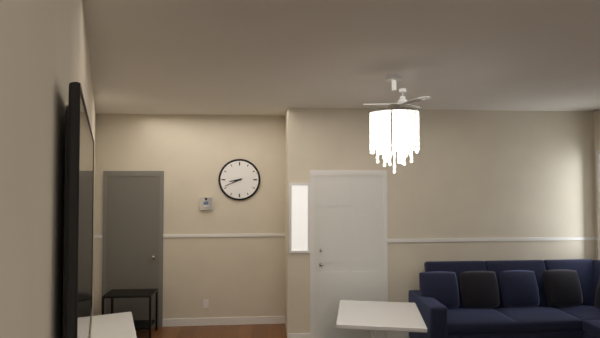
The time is {"hour": 8, "minute": 41}
